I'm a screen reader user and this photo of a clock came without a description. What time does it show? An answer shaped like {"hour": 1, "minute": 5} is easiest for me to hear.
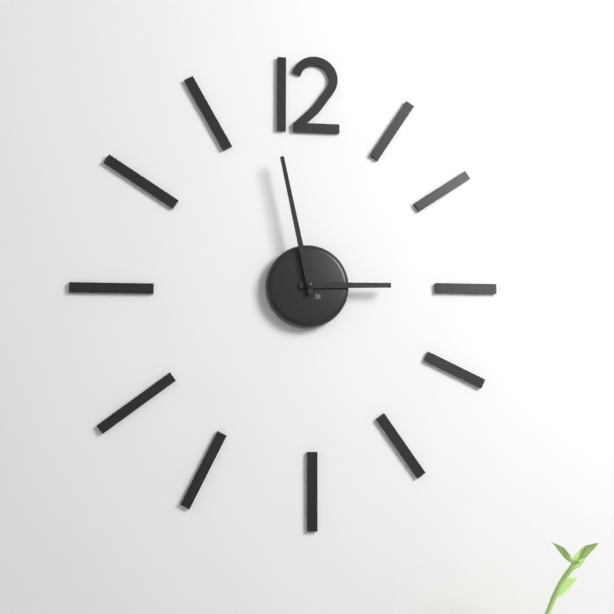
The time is {"hour": 2, "minute": 58}
